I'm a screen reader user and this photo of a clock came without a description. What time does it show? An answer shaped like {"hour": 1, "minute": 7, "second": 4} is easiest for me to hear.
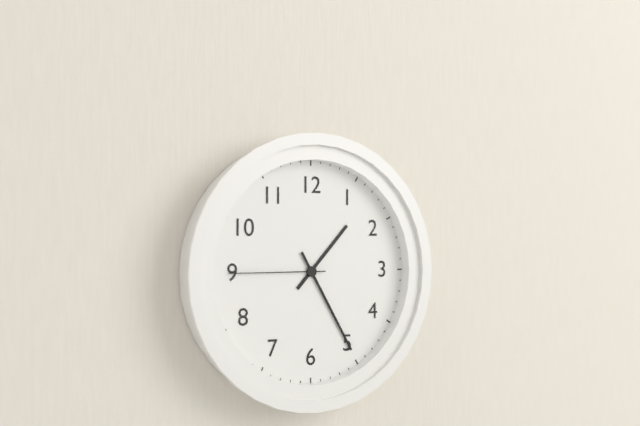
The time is {"hour": 1, "minute": 25, "second": 45}
